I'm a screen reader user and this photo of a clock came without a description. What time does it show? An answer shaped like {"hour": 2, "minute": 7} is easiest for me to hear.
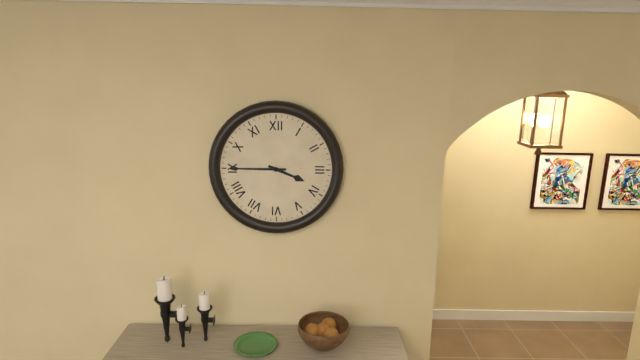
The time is {"hour": 3, "minute": 45}
